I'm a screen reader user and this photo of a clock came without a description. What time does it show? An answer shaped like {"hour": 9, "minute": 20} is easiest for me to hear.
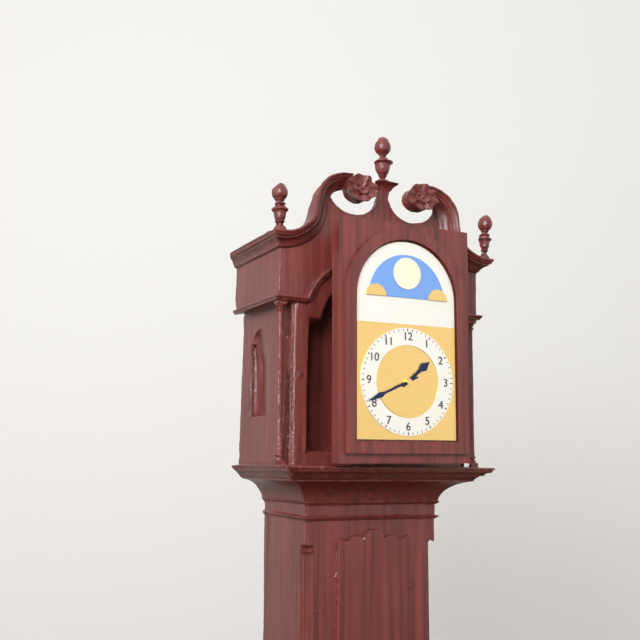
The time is {"hour": 1, "minute": 41}
